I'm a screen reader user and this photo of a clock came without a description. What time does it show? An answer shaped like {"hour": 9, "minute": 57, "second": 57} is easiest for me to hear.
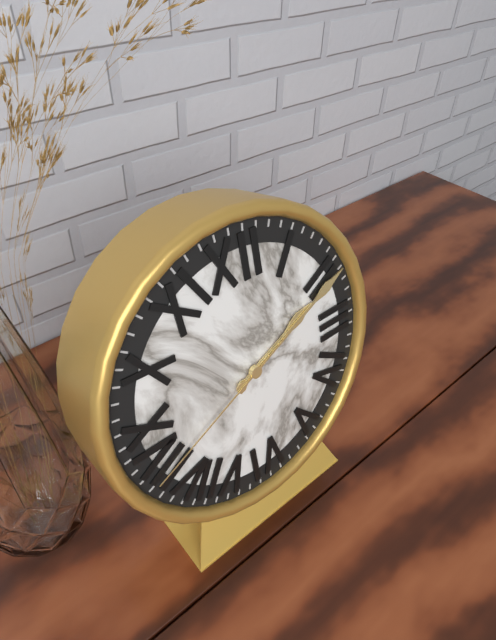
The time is {"hour": 2, "minute": 11, "second": 41}
